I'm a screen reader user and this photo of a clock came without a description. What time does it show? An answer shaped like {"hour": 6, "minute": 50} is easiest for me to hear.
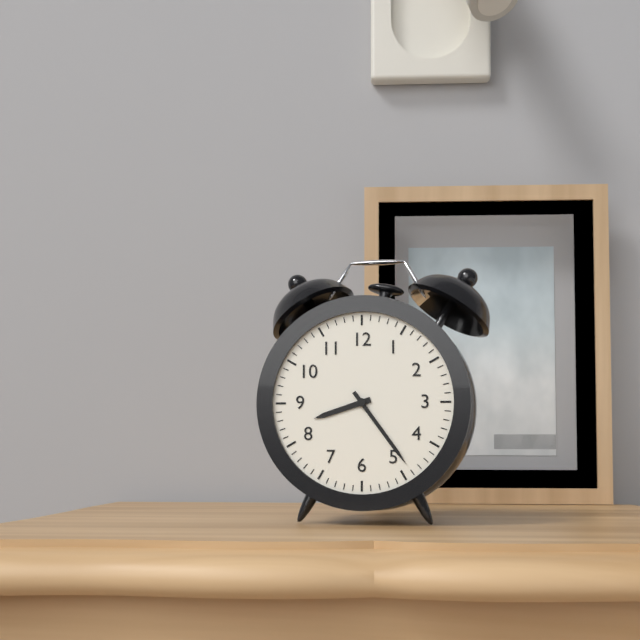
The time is {"hour": 8, "minute": 24}
